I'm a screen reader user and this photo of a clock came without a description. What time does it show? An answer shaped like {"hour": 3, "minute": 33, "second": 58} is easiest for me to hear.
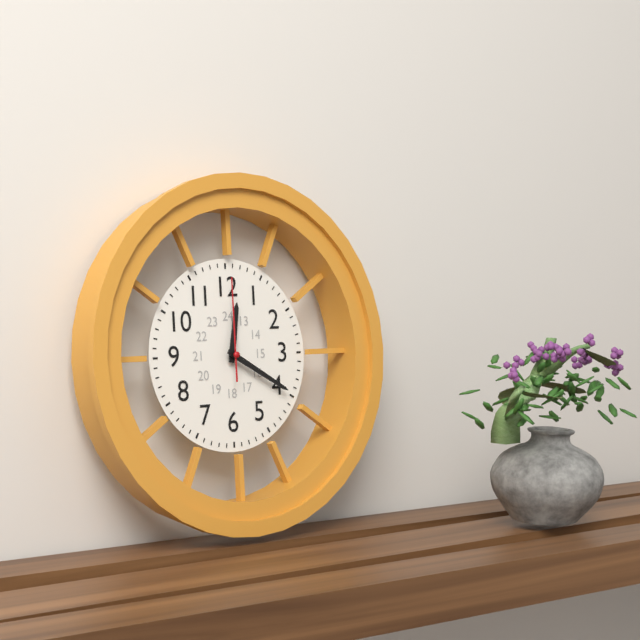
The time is {"hour": 12, "minute": 20, "second": 0}
